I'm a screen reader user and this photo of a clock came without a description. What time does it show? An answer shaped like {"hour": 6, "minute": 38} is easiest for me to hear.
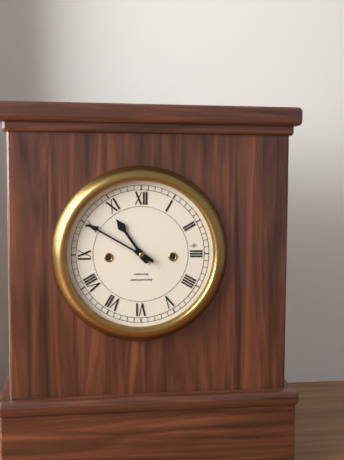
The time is {"hour": 10, "minute": 50}
